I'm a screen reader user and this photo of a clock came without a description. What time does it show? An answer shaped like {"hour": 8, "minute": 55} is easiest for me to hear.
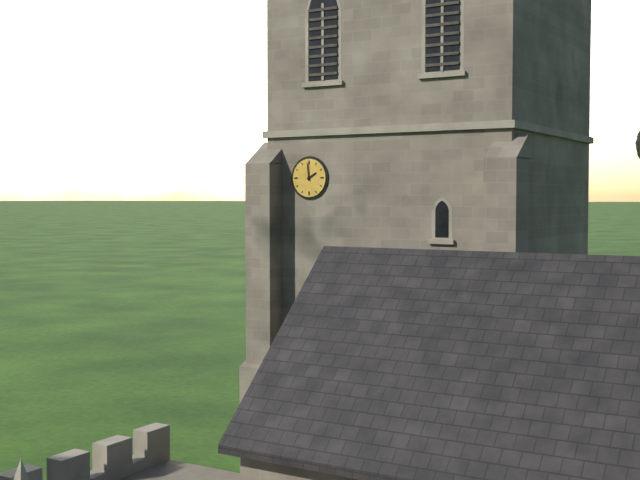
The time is {"hour": 1, "minute": 59}
